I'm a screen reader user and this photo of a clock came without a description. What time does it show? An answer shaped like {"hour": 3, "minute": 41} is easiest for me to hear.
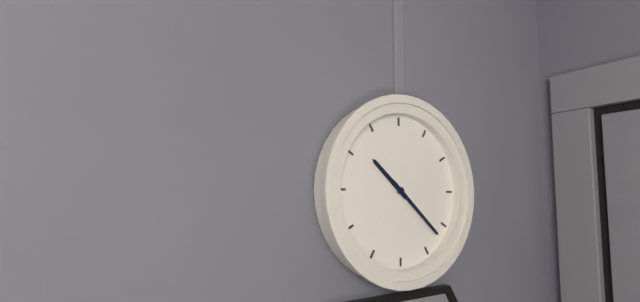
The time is {"hour": 10, "minute": 22}
